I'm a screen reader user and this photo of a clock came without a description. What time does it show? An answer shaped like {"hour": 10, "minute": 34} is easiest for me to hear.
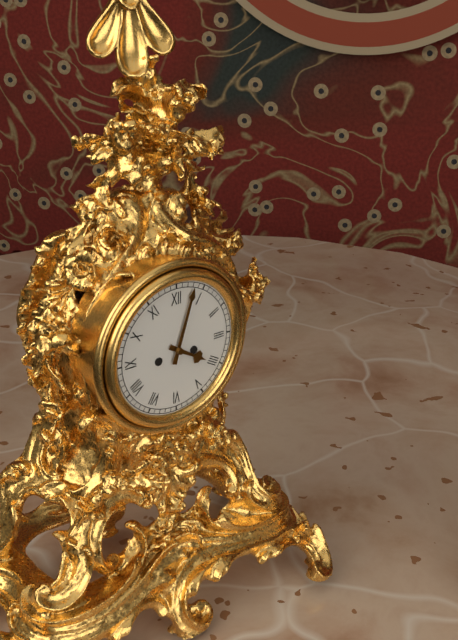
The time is {"hour": 4, "minute": 3}
